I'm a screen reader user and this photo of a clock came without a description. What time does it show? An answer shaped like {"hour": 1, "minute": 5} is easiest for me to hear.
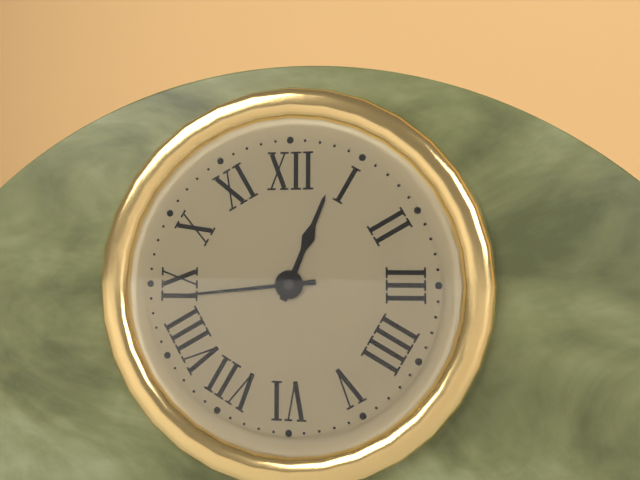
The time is {"hour": 12, "minute": 44}
